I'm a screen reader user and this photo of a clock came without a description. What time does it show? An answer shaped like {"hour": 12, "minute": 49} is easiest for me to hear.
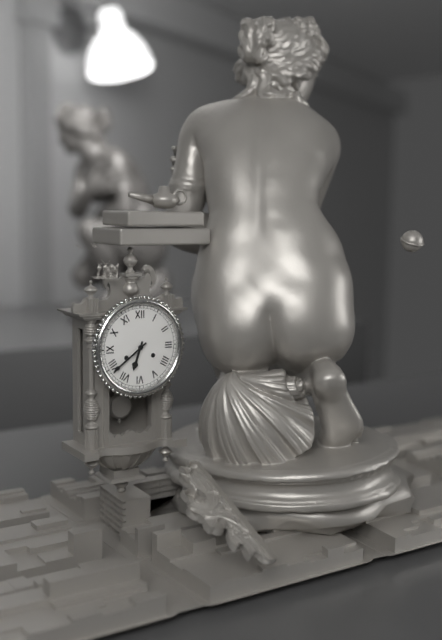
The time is {"hour": 6, "minute": 39}
